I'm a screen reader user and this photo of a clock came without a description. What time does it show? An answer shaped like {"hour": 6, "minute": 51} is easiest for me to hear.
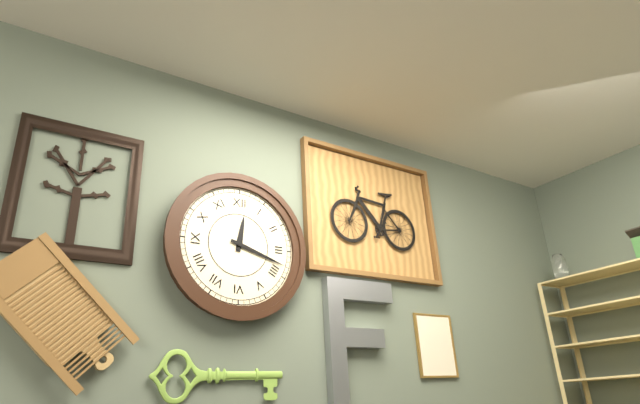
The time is {"hour": 12, "minute": 18}
